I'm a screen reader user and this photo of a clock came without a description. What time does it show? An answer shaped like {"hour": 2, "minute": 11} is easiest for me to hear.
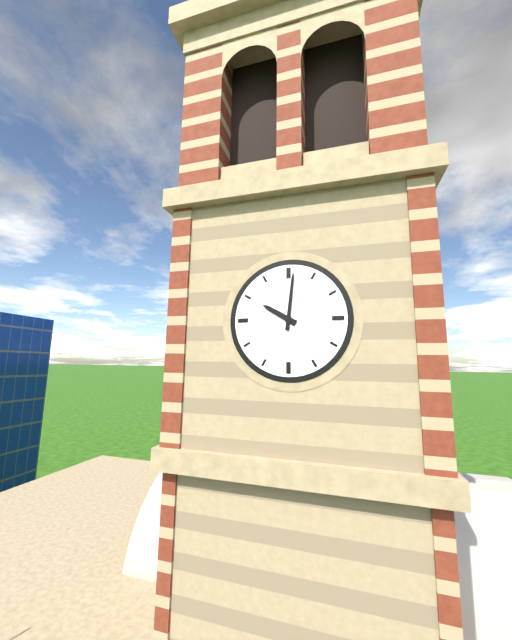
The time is {"hour": 10, "minute": 1}
